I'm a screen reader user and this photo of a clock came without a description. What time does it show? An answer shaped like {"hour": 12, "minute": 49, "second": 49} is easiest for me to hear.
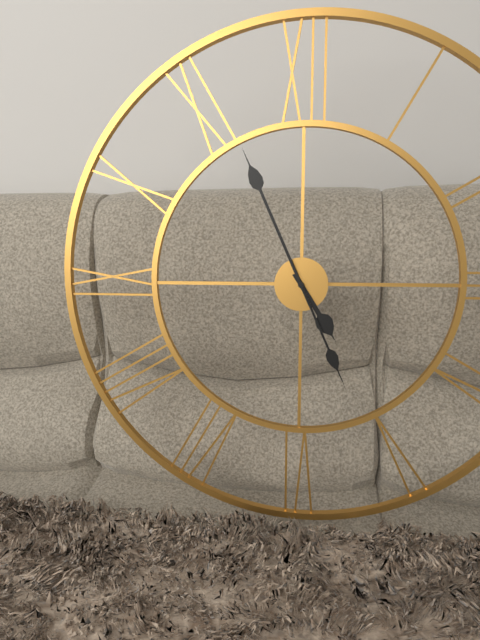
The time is {"hour": 4, "minute": 56, "second": 26}
